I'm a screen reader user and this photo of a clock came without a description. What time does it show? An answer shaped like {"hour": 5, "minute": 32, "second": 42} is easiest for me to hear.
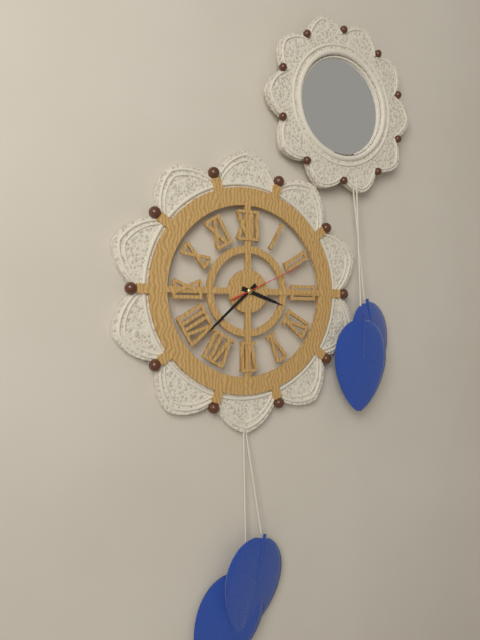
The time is {"hour": 3, "minute": 38, "second": 11}
